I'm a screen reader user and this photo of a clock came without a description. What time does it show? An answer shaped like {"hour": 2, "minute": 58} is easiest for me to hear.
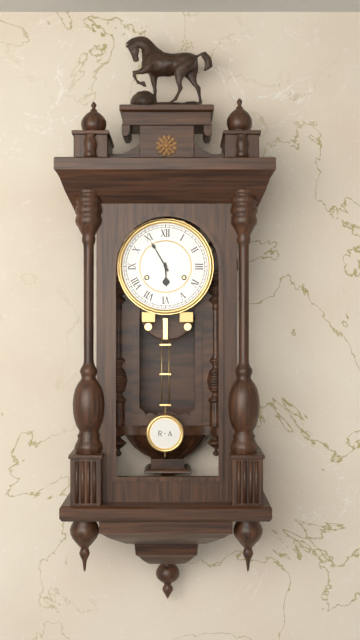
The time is {"hour": 5, "minute": 55}
